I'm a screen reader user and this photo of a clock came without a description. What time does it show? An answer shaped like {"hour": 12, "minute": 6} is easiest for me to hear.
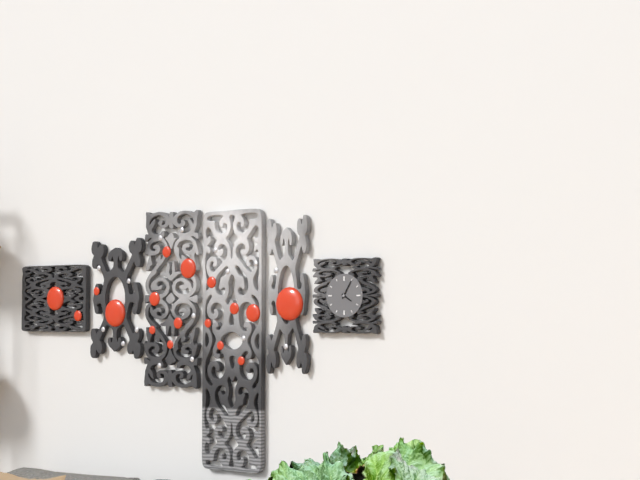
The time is {"hour": 4, "minute": 5}
